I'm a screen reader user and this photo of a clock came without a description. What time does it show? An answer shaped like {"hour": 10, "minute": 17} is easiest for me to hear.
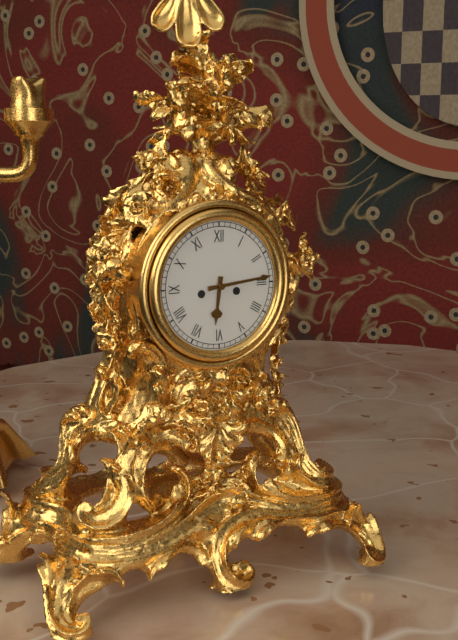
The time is {"hour": 6, "minute": 14}
